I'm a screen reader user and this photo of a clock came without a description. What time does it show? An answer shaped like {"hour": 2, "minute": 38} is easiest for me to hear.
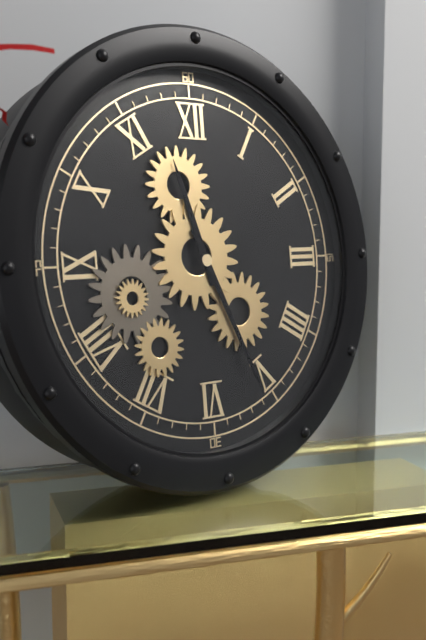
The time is {"hour": 11, "minute": 26}
